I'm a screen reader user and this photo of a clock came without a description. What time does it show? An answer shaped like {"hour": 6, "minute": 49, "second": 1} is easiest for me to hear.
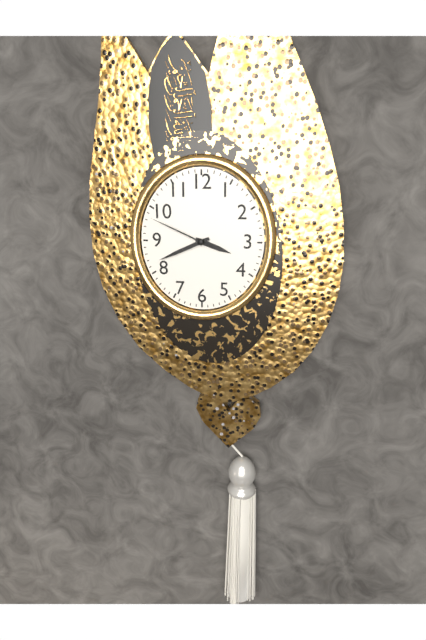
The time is {"hour": 3, "minute": 41, "second": 49}
